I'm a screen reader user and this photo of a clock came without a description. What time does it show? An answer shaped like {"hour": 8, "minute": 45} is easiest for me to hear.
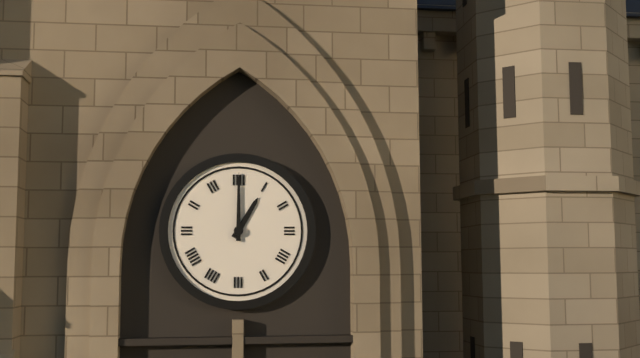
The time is {"hour": 1, "minute": 0}
